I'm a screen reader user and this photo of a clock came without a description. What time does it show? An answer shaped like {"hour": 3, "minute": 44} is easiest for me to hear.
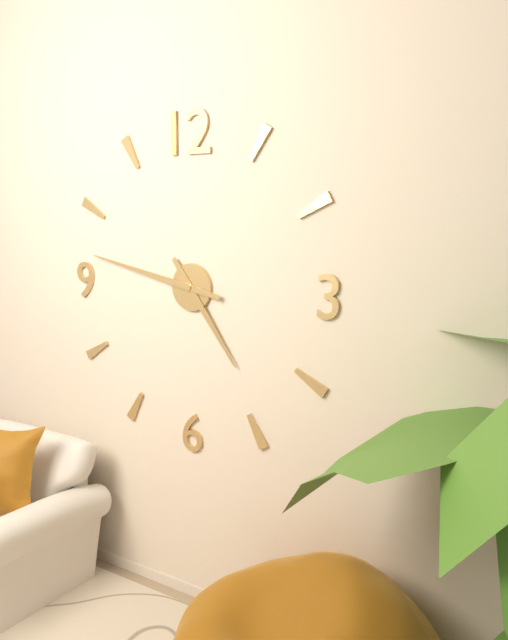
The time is {"hour": 4, "minute": 47}
